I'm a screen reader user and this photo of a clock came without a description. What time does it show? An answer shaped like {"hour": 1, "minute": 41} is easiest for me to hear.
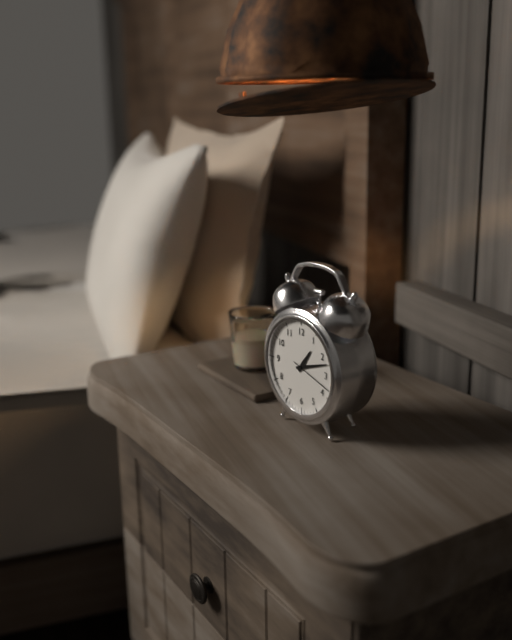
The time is {"hour": 1, "minute": 12}
